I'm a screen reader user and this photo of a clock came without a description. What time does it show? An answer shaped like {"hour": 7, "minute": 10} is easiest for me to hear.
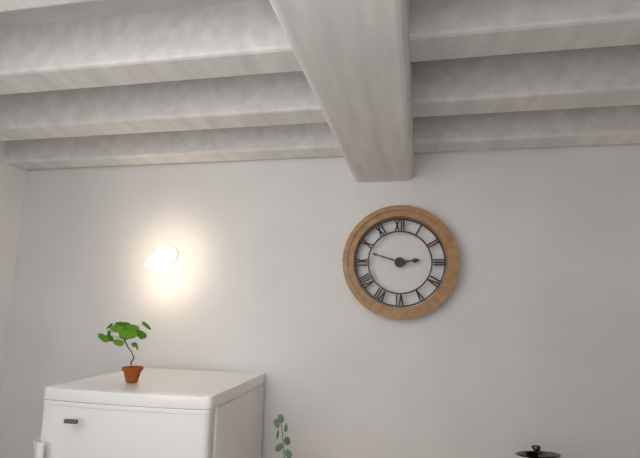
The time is {"hour": 2, "minute": 48}
